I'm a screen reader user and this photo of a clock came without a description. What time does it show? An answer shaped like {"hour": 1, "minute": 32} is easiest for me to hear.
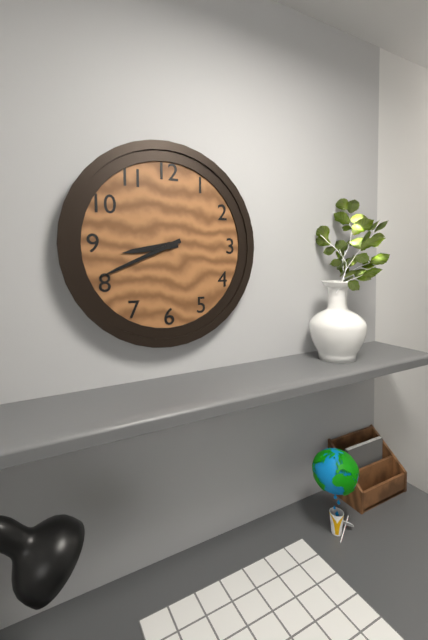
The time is {"hour": 8, "minute": 41}
